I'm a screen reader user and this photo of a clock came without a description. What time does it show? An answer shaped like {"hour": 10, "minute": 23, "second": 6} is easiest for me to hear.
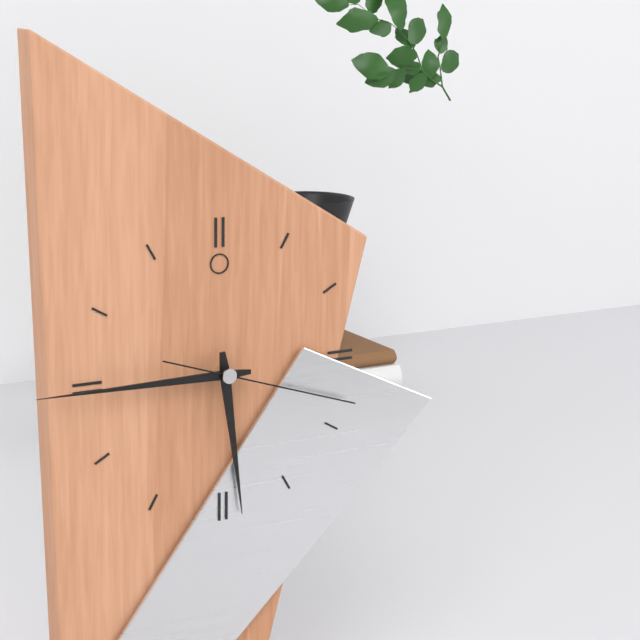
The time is {"hour": 5, "minute": 45, "second": 18}
